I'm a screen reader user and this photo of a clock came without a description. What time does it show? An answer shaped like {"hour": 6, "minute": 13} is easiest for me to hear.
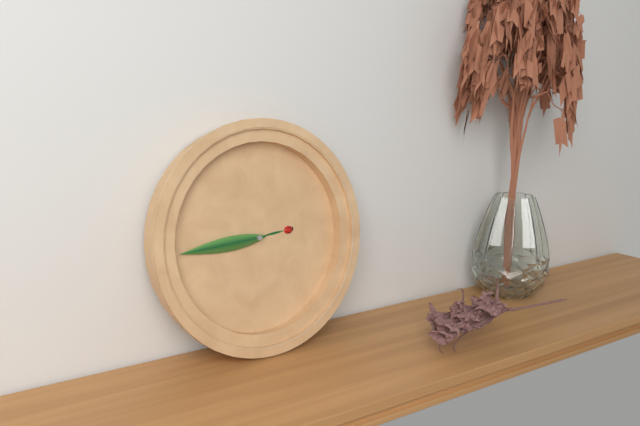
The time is {"hour": 2, "minute": 44}
